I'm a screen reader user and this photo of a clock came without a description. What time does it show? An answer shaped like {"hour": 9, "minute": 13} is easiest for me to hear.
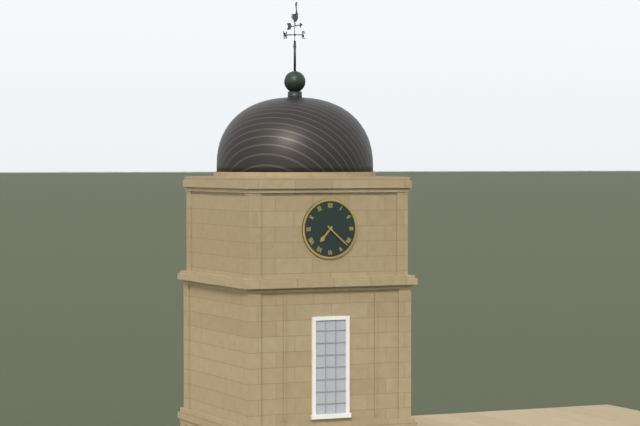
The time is {"hour": 7, "minute": 22}
